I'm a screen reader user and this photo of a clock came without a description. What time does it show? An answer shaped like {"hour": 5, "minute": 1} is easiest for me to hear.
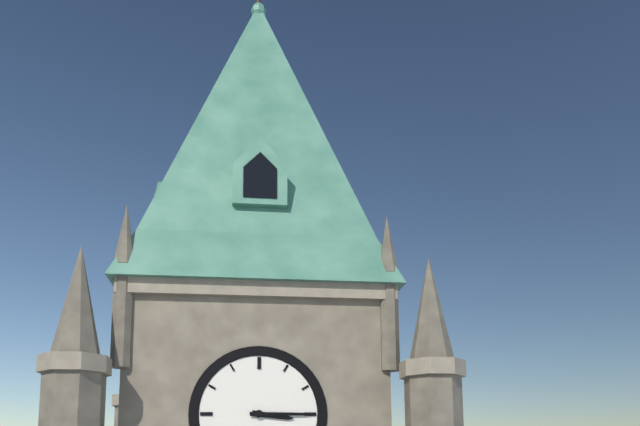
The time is {"hour": 3, "minute": 15}
